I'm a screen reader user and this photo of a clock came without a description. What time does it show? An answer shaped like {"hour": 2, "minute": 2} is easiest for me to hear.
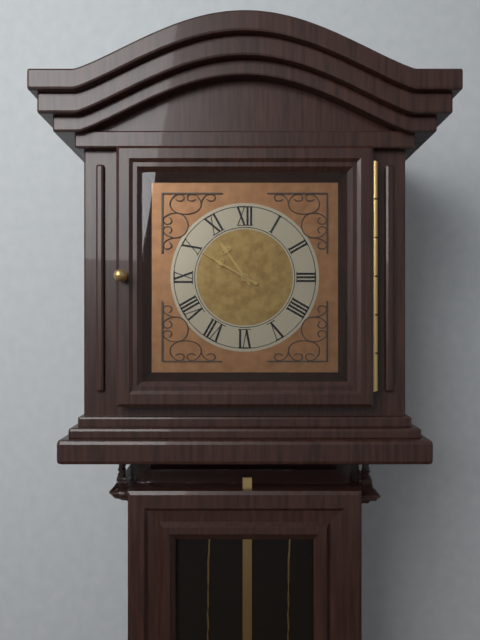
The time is {"hour": 10, "minute": 50}
